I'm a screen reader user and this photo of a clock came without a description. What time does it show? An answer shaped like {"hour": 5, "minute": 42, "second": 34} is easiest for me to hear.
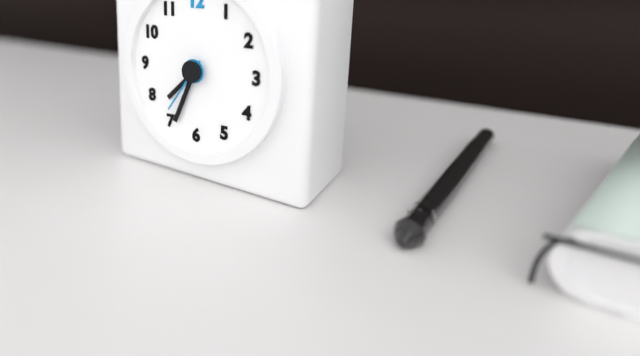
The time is {"hour": 7, "minute": 34, "second": 36}
